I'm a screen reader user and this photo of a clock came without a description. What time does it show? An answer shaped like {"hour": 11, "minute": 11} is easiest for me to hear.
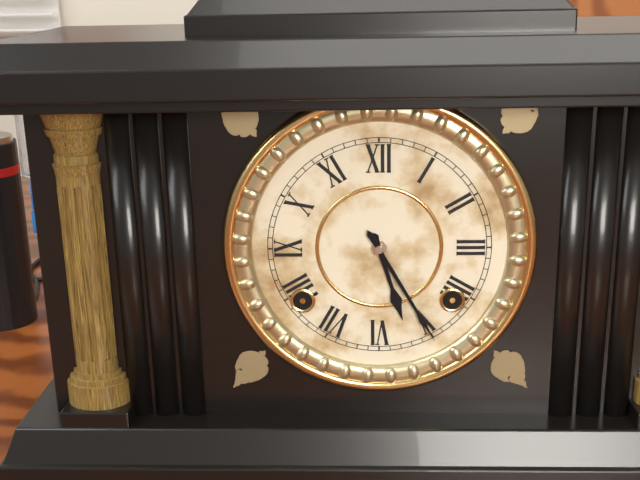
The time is {"hour": 5, "minute": 25}
